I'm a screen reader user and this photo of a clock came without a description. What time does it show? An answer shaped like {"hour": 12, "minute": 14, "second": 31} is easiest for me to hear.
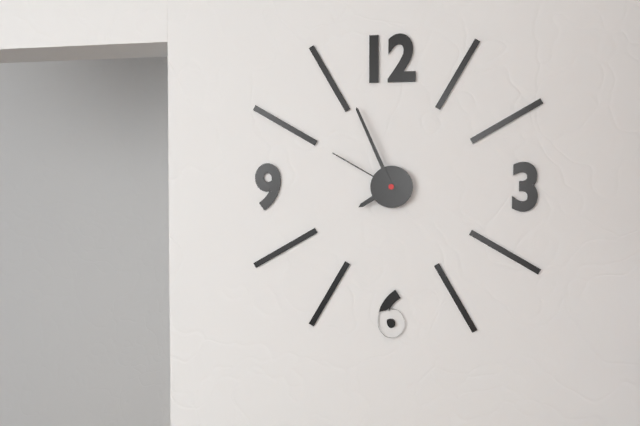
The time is {"hour": 7, "minute": 56, "second": 50}
